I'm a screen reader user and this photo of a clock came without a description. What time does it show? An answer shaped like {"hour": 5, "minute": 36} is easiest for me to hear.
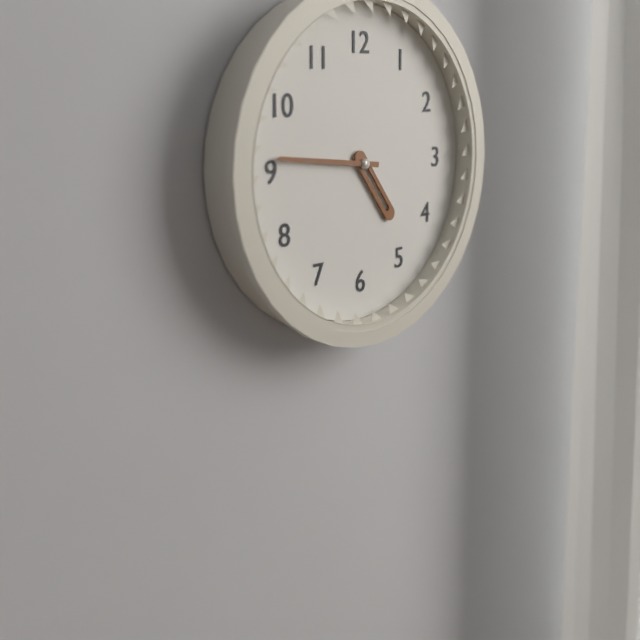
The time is {"hour": 4, "minute": 46}
